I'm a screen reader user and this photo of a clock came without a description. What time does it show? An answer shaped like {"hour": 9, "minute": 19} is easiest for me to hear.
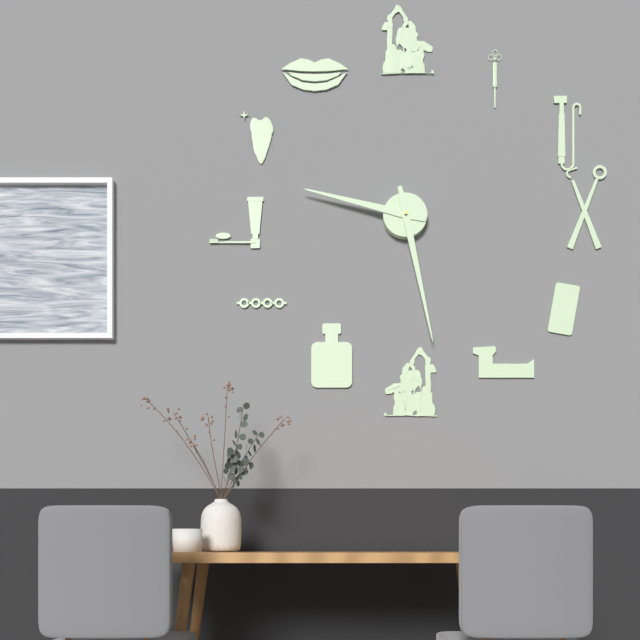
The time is {"hour": 9, "minute": 28}
